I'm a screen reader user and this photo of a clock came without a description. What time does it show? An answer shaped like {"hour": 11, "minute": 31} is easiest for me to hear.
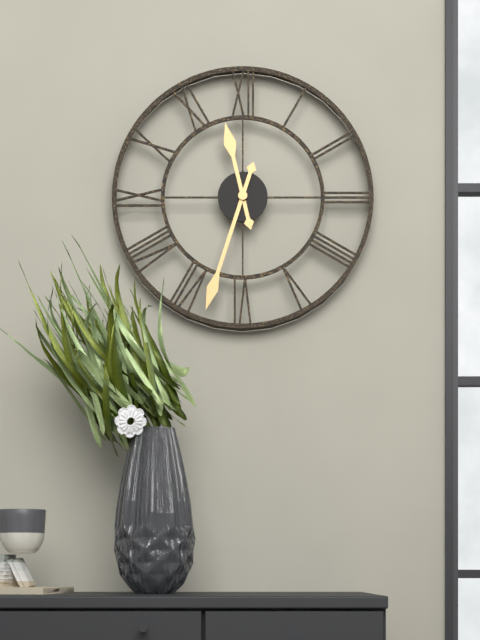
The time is {"hour": 11, "minute": 33}
